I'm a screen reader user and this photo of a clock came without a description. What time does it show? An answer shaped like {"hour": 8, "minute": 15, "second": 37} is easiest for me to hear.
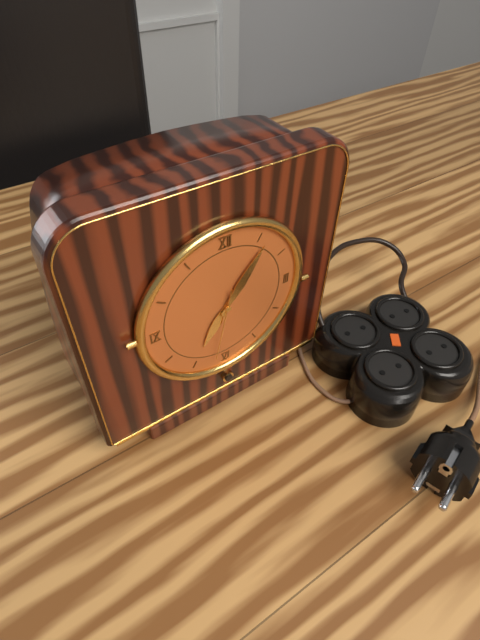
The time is {"hour": 7, "minute": 6, "second": 32}
